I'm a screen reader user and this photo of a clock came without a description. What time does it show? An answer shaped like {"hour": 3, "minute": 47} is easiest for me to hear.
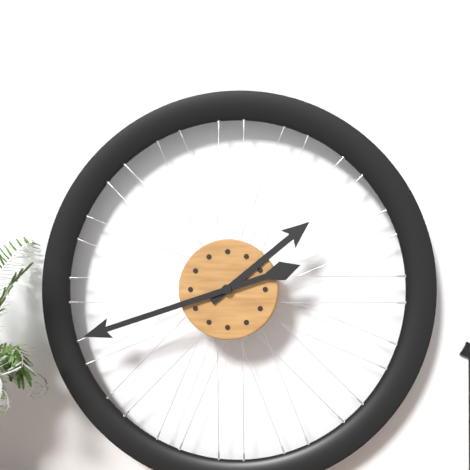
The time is {"hour": 1, "minute": 42}
